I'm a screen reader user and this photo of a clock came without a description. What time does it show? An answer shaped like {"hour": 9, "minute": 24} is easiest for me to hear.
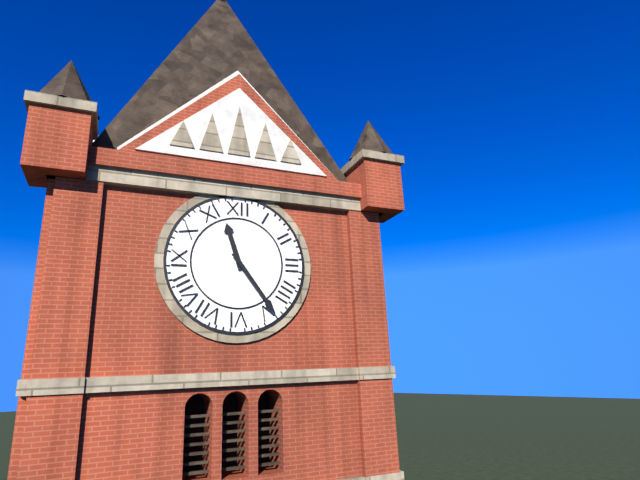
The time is {"hour": 11, "minute": 24}
